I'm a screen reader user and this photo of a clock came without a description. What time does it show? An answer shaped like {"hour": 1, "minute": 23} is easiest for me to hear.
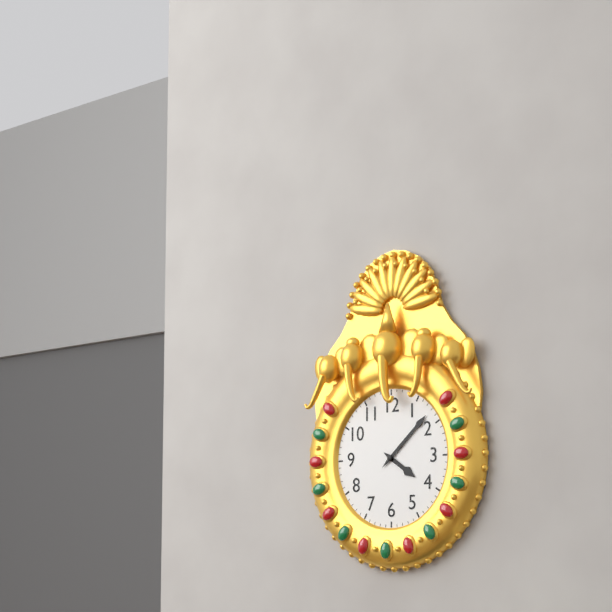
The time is {"hour": 4, "minute": 8}
